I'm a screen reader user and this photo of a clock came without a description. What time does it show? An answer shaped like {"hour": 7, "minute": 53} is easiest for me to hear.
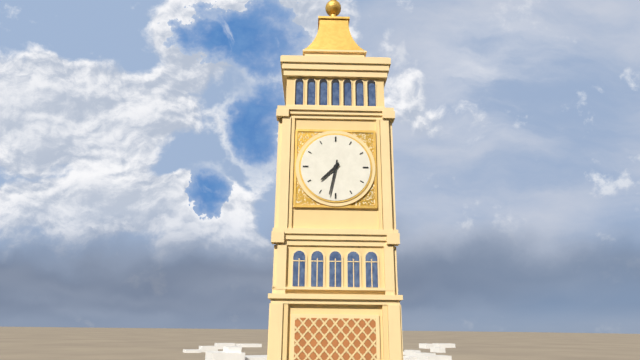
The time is {"hour": 7, "minute": 32}
